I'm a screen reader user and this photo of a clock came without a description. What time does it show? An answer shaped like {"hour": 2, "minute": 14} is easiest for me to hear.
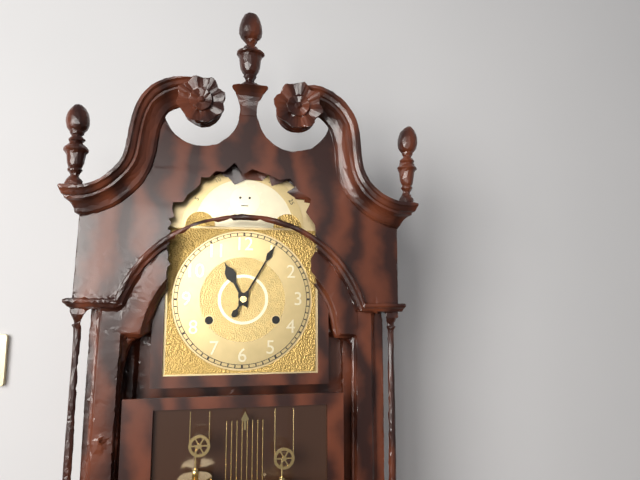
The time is {"hour": 11, "minute": 5}
